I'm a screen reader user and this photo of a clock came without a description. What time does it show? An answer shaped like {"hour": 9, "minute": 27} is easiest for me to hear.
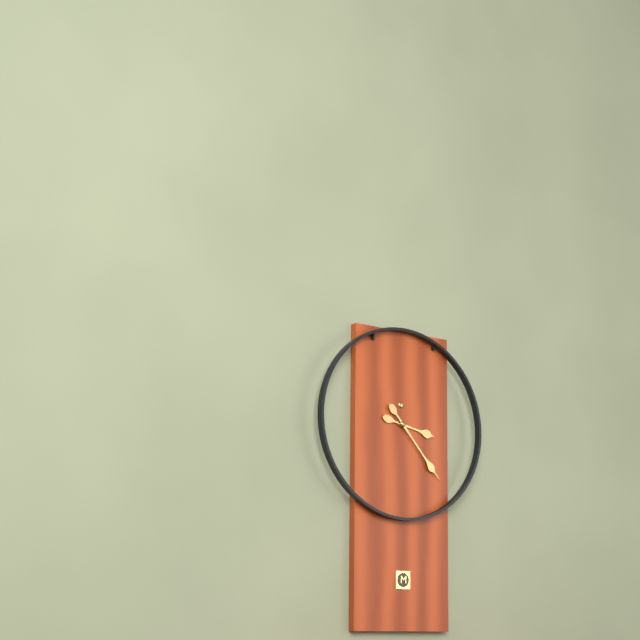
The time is {"hour": 3, "minute": 23}
